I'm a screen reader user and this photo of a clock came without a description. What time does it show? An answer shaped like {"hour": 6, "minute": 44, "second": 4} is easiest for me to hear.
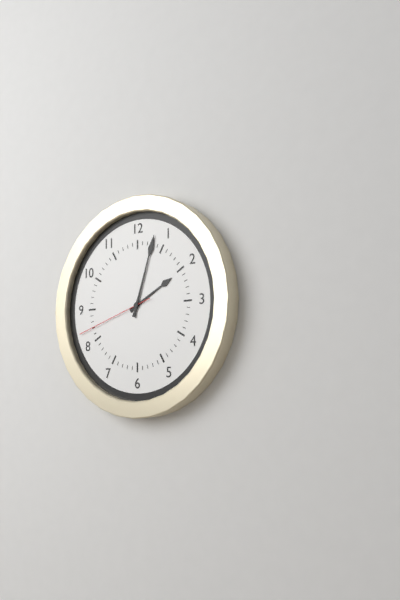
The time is {"hour": 2, "minute": 3, "second": 42}
